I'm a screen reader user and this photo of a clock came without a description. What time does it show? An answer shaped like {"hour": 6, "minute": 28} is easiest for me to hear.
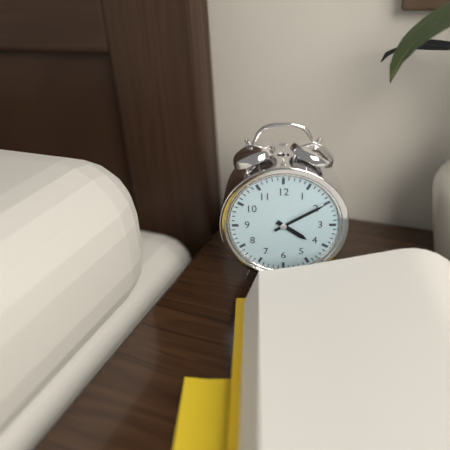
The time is {"hour": 4, "minute": 10}
